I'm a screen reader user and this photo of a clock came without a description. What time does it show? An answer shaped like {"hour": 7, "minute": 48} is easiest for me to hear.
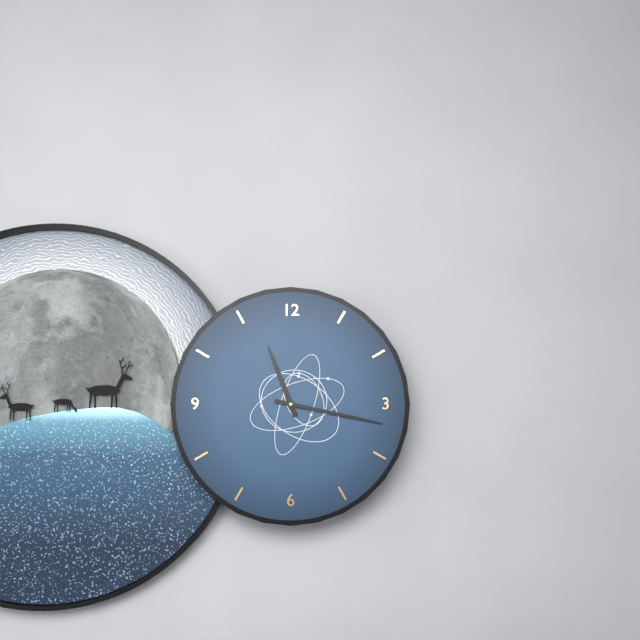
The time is {"hour": 11, "minute": 17}
